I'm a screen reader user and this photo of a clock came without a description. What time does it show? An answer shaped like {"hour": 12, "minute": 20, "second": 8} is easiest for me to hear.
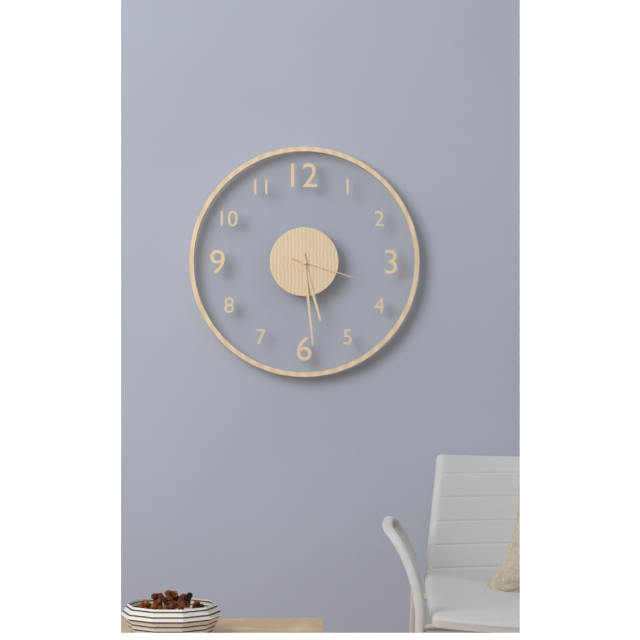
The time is {"hour": 5, "minute": 29, "second": 18}
